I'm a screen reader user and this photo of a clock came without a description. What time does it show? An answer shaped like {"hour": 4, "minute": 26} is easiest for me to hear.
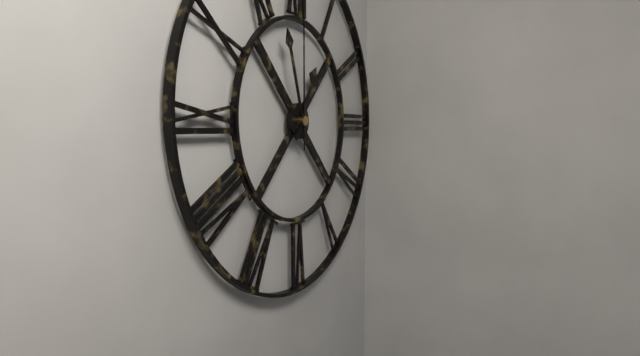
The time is {"hour": 12, "minute": 57}
